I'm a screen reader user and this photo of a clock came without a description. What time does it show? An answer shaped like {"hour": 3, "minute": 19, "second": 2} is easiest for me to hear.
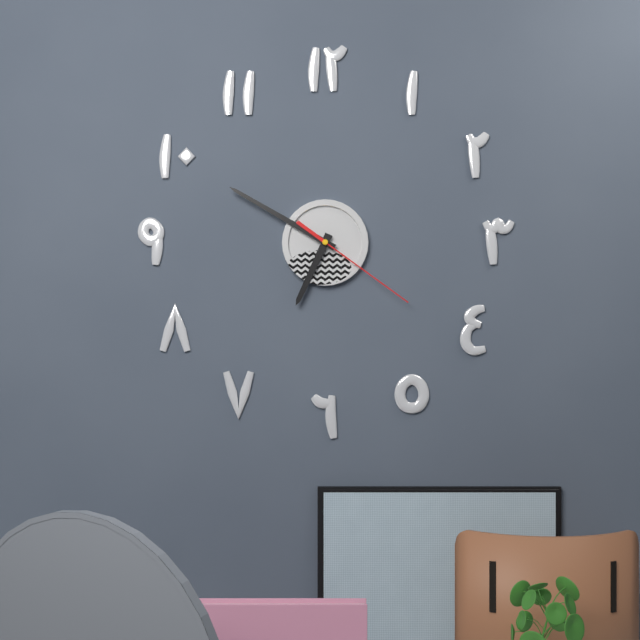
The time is {"hour": 6, "minute": 50, "second": 21}
